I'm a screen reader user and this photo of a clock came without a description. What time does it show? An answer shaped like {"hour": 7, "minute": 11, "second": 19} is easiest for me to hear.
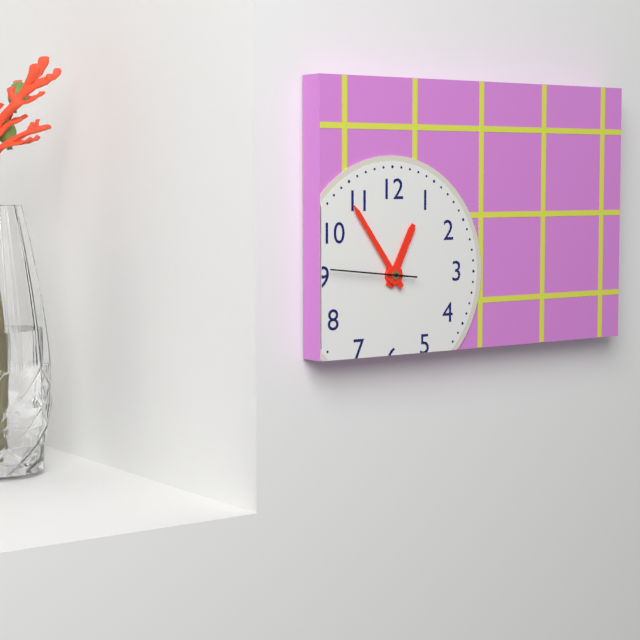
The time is {"hour": 12, "minute": 54, "second": 46}
